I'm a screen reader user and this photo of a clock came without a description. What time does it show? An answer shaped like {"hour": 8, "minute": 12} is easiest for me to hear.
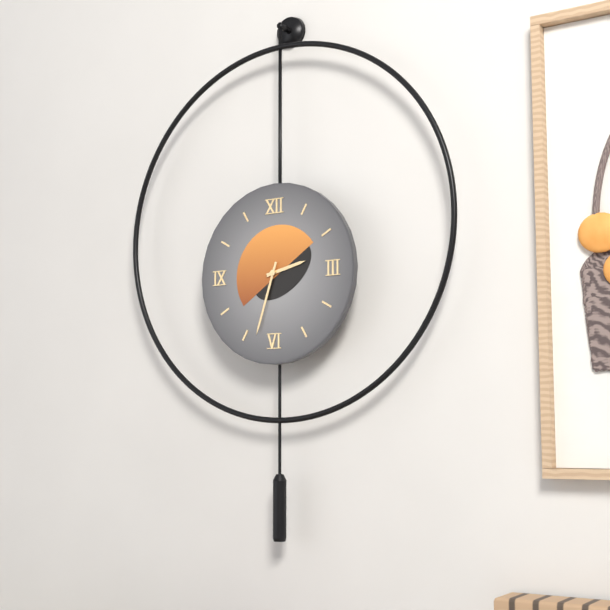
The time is {"hour": 2, "minute": 33}
